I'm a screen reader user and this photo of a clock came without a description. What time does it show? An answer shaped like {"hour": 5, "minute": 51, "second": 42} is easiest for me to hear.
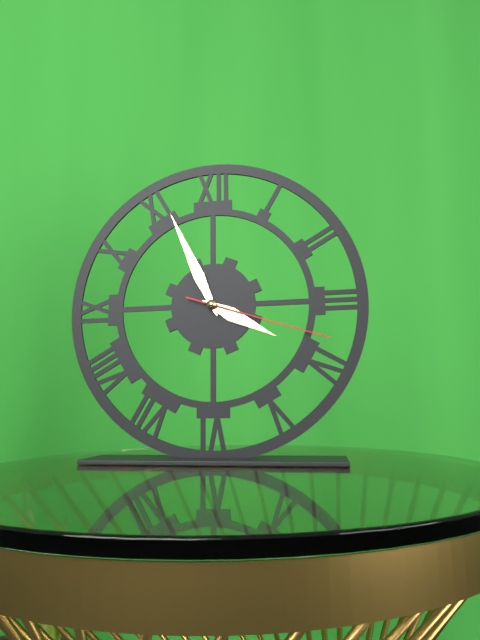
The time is {"hour": 3, "minute": 56, "second": 18}
